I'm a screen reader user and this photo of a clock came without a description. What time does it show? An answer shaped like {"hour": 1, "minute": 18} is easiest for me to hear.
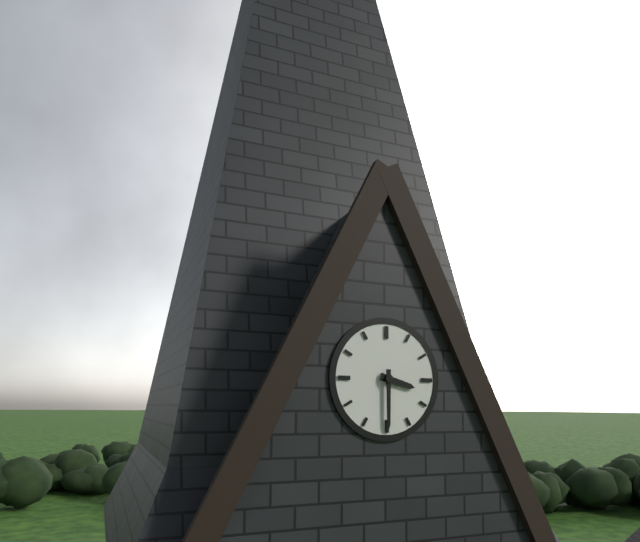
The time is {"hour": 3, "minute": 30}
